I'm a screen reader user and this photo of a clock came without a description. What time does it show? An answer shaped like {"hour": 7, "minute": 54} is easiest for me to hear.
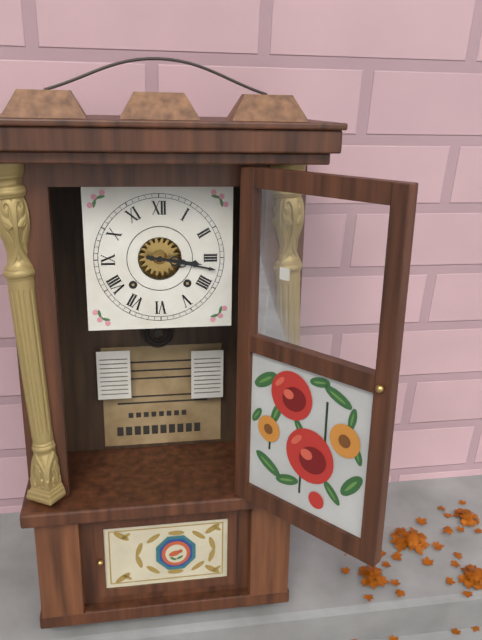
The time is {"hour": 3, "minute": 17}
